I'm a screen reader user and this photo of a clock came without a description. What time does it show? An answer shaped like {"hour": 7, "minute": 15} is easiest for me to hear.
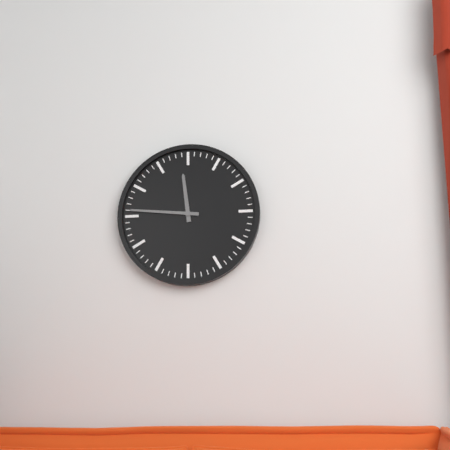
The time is {"hour": 11, "minute": 46}
